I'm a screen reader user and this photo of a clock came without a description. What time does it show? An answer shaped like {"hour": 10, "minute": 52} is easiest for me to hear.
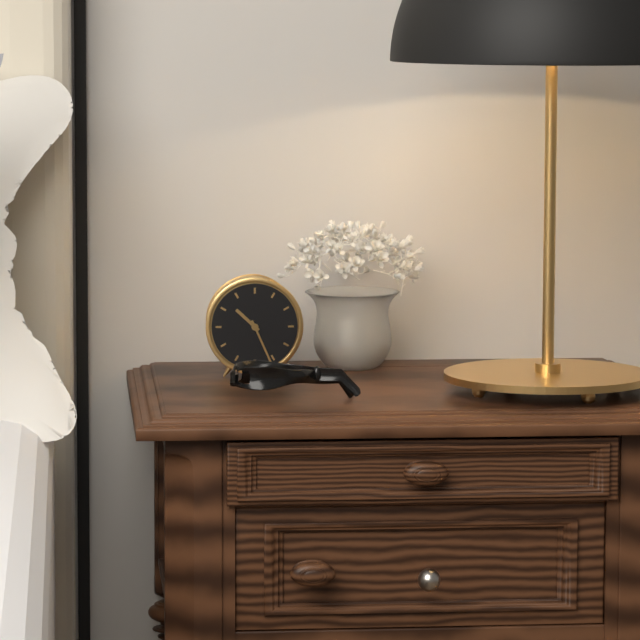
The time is {"hour": 10, "minute": 26}
